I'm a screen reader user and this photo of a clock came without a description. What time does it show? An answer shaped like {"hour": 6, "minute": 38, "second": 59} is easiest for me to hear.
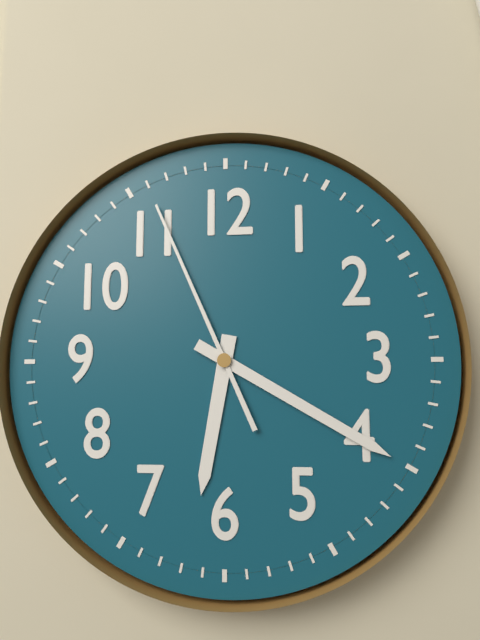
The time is {"hour": 6, "minute": 20, "second": 56}
